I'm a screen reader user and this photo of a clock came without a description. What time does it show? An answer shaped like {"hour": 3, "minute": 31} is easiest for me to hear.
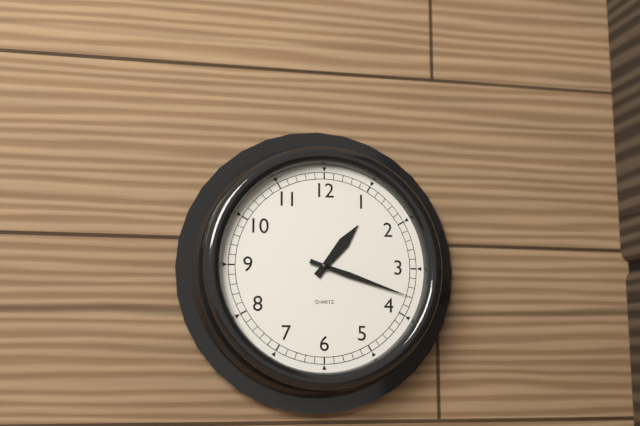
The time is {"hour": 1, "minute": 18}
